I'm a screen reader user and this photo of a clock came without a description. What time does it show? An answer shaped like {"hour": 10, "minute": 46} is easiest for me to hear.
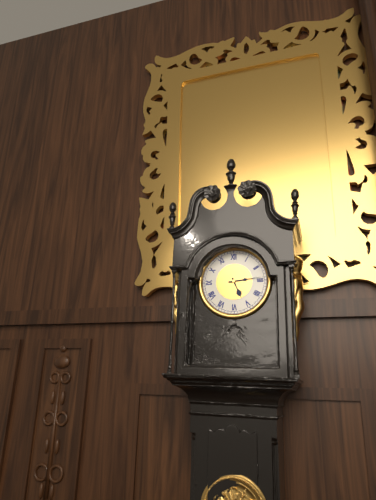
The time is {"hour": 5, "minute": 14}
